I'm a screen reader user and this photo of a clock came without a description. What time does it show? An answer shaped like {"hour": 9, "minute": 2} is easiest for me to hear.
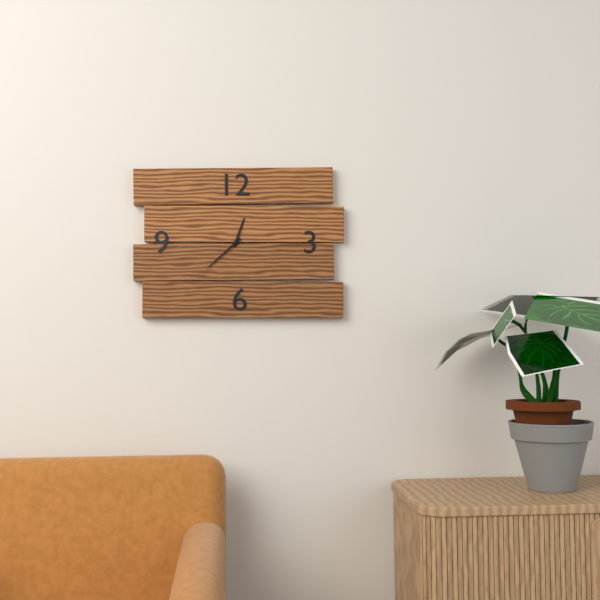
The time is {"hour": 12, "minute": 38}
